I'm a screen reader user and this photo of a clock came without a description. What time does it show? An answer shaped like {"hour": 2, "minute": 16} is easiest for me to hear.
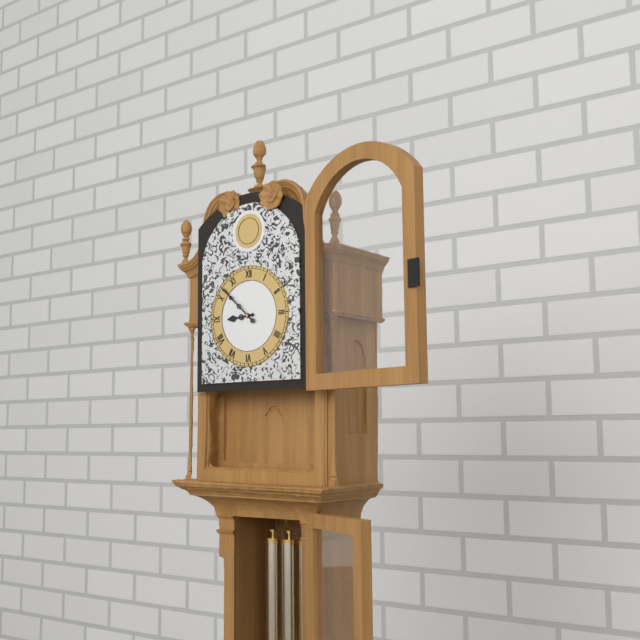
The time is {"hour": 8, "minute": 52}
